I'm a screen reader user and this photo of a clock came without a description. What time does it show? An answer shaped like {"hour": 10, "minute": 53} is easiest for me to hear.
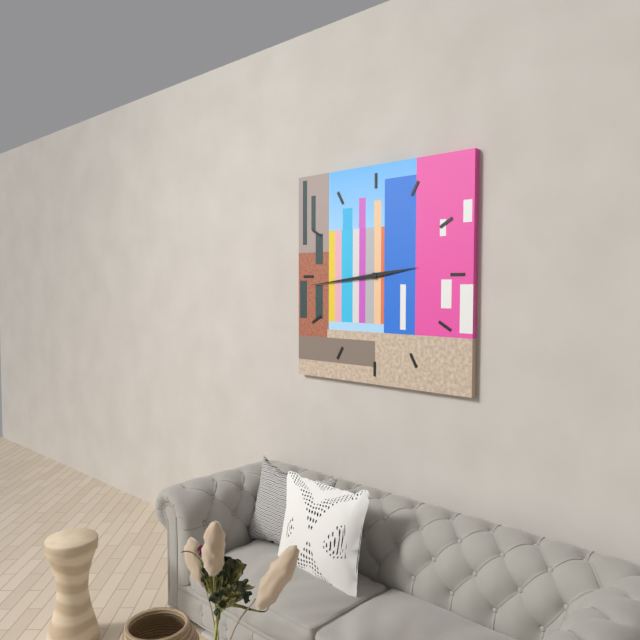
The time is {"hour": 2, "minute": 44}
